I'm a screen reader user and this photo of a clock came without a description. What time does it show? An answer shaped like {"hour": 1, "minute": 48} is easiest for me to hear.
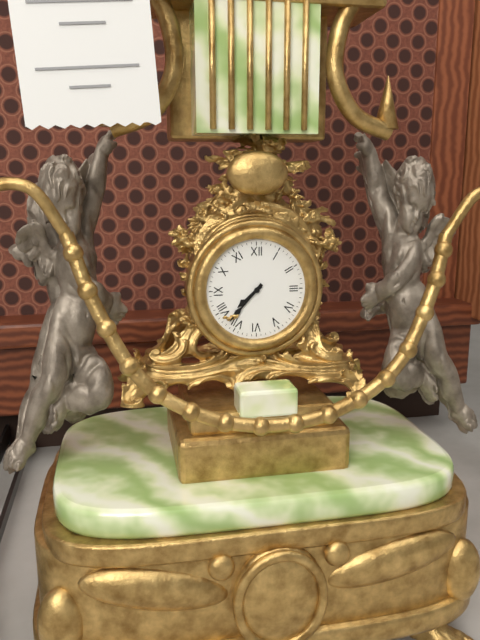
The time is {"hour": 7, "minute": 37}
